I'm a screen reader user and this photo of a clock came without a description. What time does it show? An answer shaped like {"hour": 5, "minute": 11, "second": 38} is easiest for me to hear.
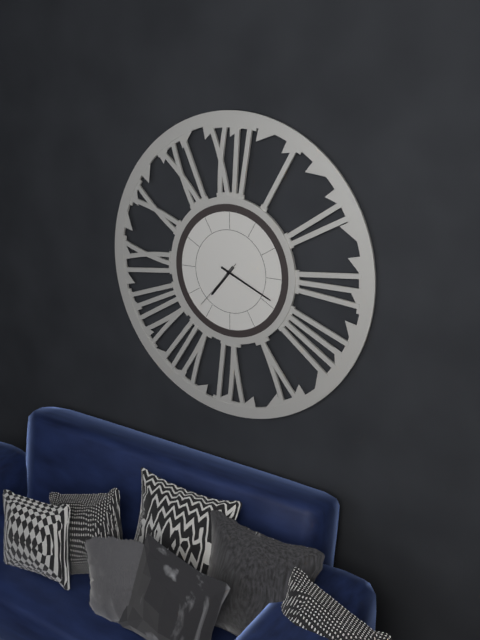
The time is {"hour": 7, "minute": 19, "second": 37}
